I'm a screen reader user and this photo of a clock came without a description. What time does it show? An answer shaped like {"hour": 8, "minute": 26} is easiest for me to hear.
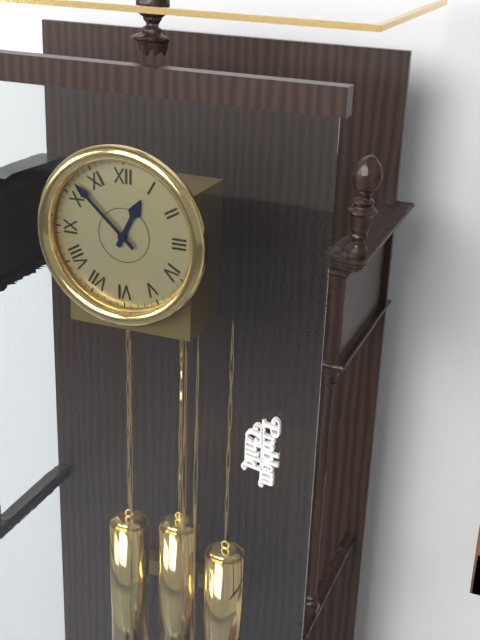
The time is {"hour": 12, "minute": 52}
